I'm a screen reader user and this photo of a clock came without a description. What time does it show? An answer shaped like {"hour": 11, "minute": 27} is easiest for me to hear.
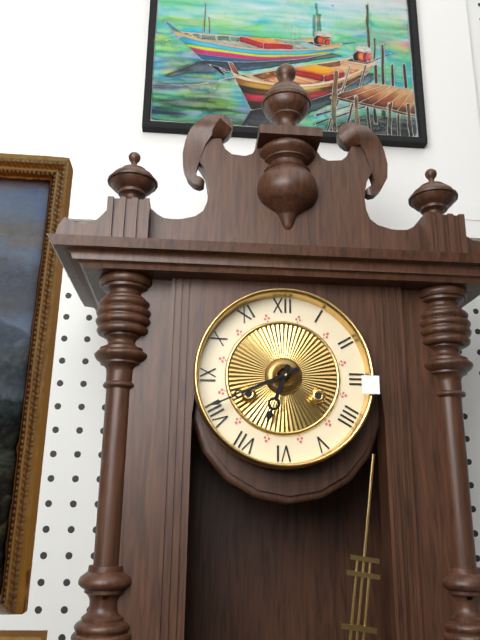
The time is {"hour": 6, "minute": 41}
